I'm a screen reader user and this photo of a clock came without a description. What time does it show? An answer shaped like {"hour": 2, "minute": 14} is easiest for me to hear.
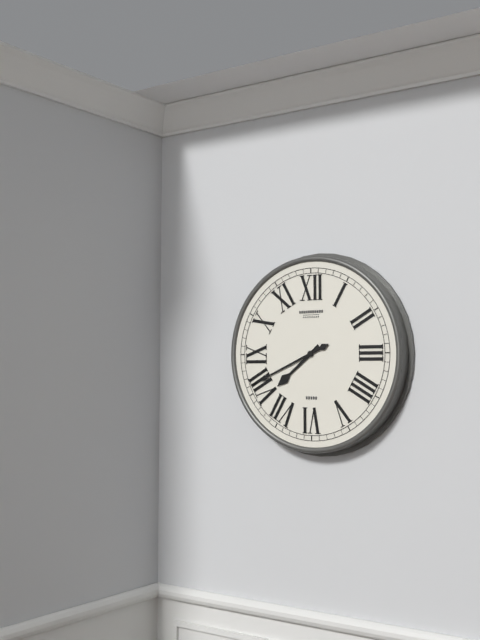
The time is {"hour": 7, "minute": 41}
